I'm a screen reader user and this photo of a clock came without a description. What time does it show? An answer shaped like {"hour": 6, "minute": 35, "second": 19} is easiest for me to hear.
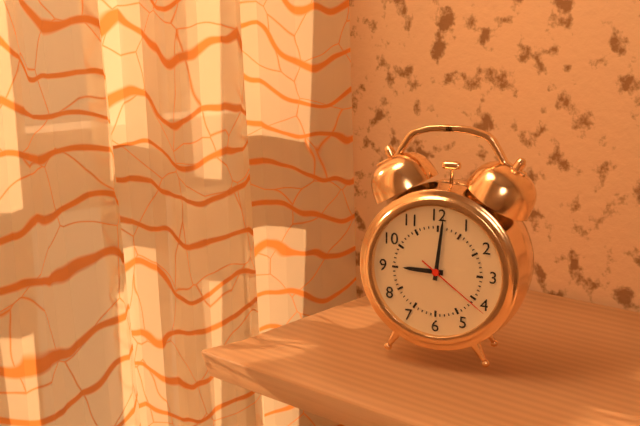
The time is {"hour": 9, "minute": 1, "second": 21}
